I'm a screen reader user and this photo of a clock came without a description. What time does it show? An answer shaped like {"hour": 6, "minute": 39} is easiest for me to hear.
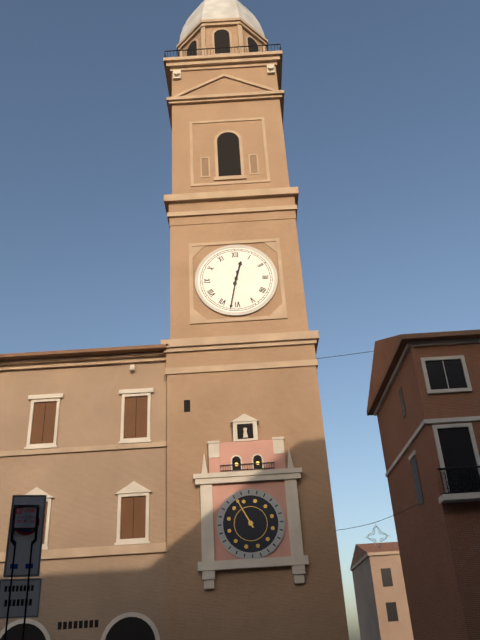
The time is {"hour": 12, "minute": 32}
